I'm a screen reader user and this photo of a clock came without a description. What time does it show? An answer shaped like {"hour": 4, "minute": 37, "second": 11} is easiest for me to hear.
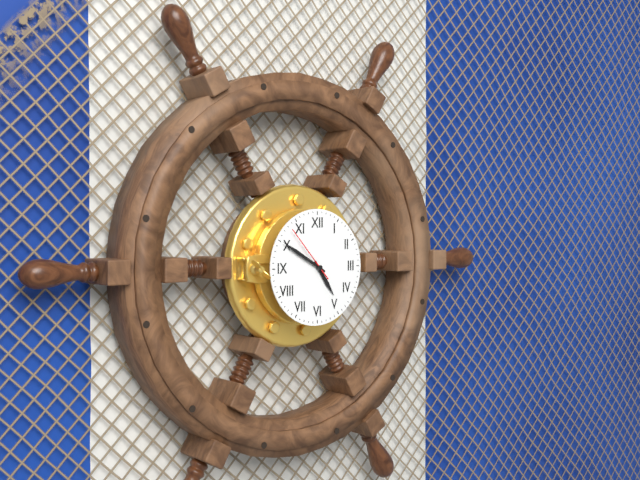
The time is {"hour": 4, "minute": 50, "second": 53}
